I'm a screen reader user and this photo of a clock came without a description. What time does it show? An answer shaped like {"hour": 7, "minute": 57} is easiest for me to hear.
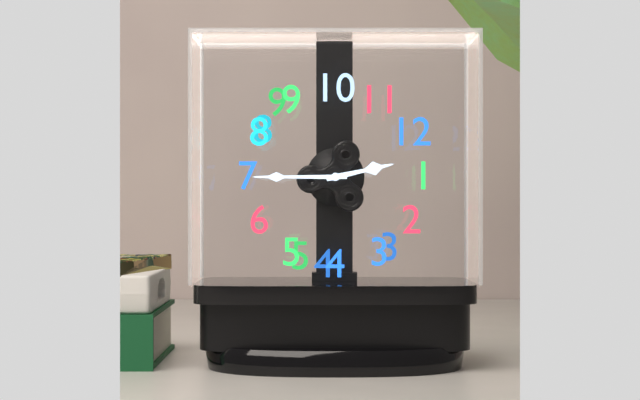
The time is {"hour": 12, "minute": 35}
